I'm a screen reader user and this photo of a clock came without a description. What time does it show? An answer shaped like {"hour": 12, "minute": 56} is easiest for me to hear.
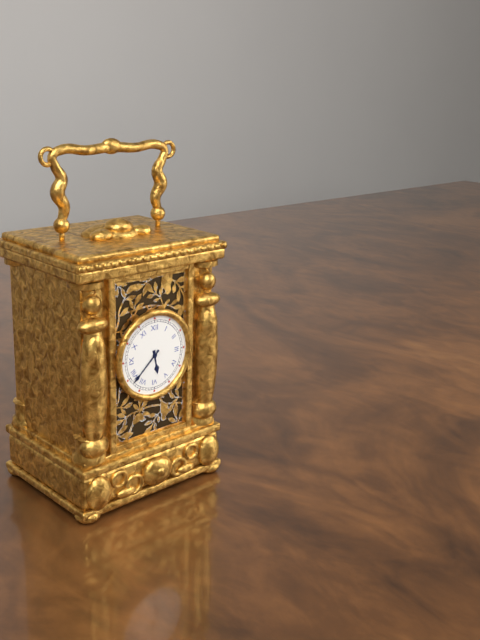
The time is {"hour": 5, "minute": 38}
